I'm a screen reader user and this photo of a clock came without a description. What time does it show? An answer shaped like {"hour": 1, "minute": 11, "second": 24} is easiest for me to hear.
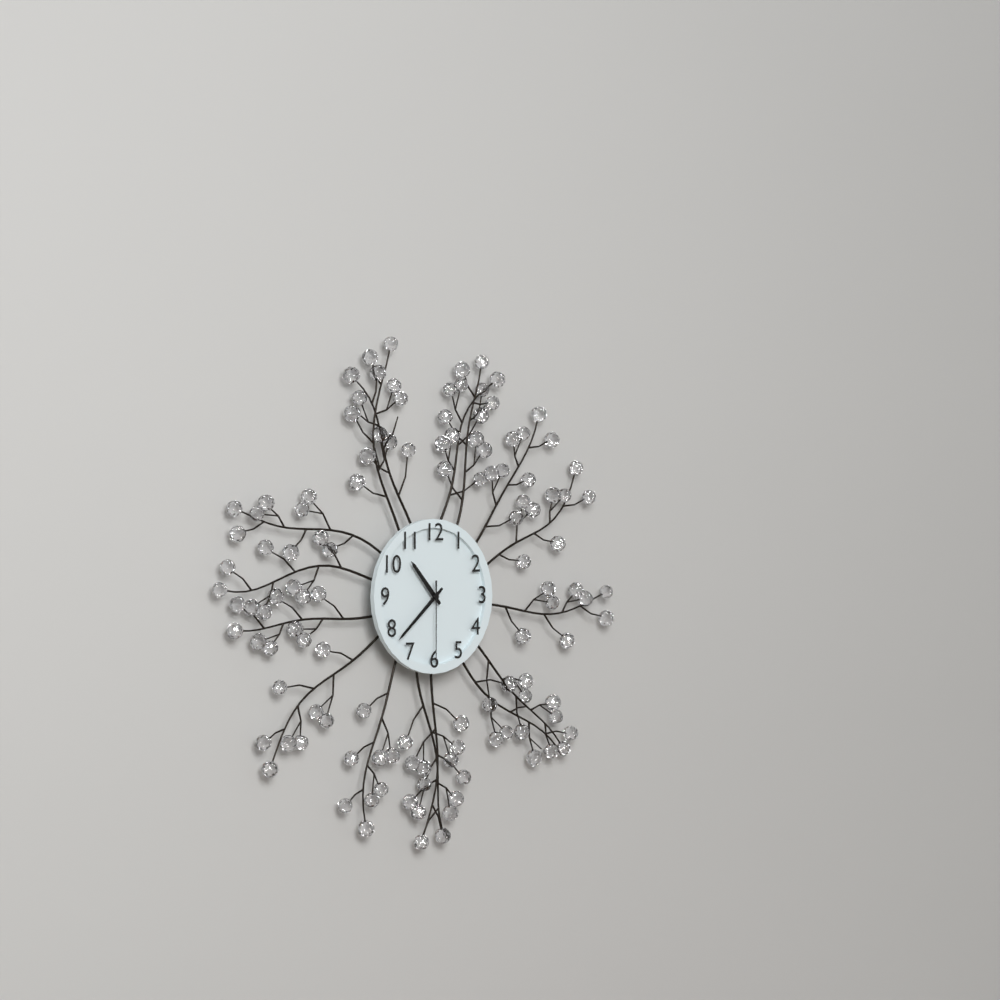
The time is {"hour": 10, "minute": 38, "second": 30}
